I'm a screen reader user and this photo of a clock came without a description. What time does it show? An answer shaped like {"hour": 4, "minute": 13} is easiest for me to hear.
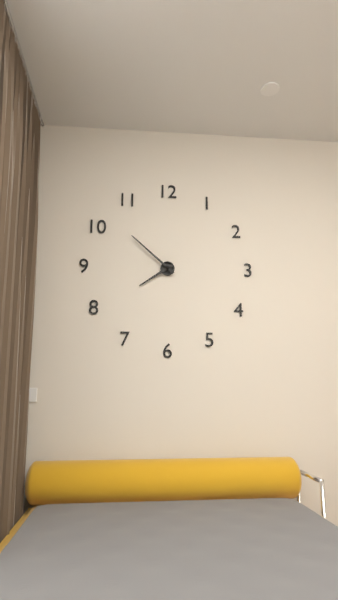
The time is {"hour": 7, "minute": 52}
